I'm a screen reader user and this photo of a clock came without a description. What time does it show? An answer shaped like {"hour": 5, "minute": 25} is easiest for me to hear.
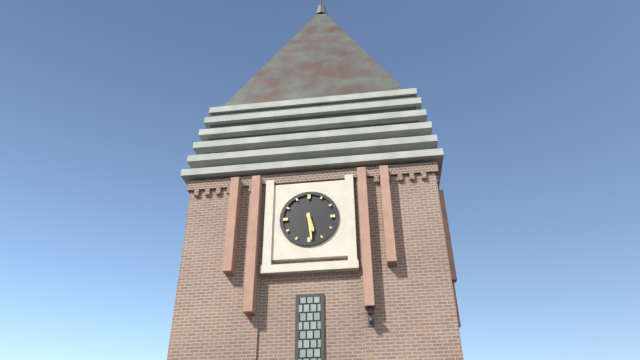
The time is {"hour": 5, "minute": 29}
